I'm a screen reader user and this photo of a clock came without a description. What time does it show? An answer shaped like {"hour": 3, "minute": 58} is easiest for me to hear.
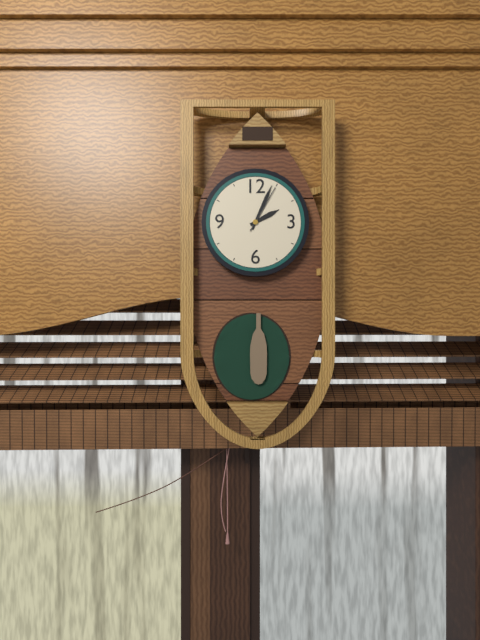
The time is {"hour": 2, "minute": 4}
